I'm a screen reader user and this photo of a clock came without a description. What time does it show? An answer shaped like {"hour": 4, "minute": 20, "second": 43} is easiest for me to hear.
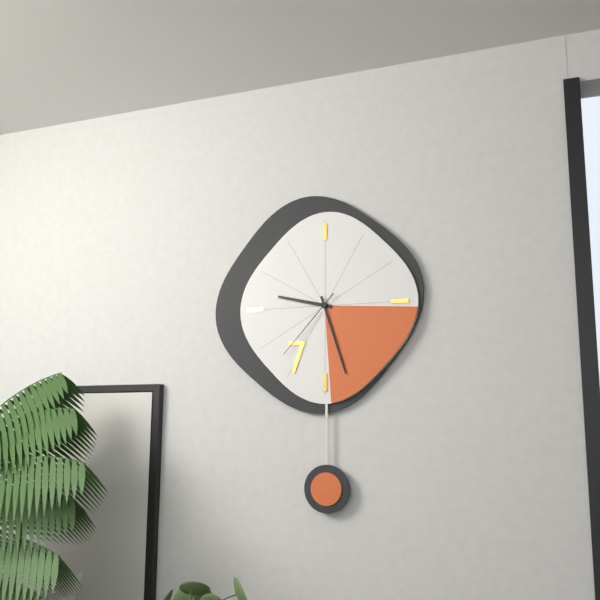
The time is {"hour": 9, "minute": 27, "second": 37}
